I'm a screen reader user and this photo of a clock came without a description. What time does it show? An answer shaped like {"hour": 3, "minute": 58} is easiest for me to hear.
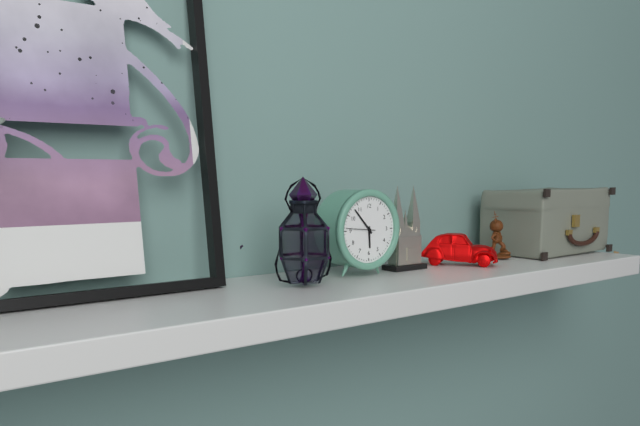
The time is {"hour": 5, "minute": 53}
